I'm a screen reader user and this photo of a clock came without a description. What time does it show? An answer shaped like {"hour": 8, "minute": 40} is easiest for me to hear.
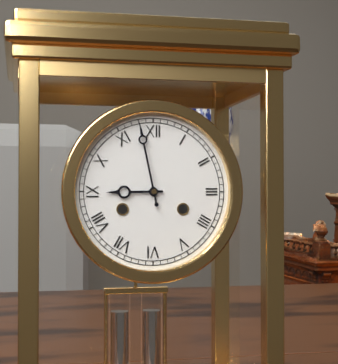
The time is {"hour": 8, "minute": 58}
